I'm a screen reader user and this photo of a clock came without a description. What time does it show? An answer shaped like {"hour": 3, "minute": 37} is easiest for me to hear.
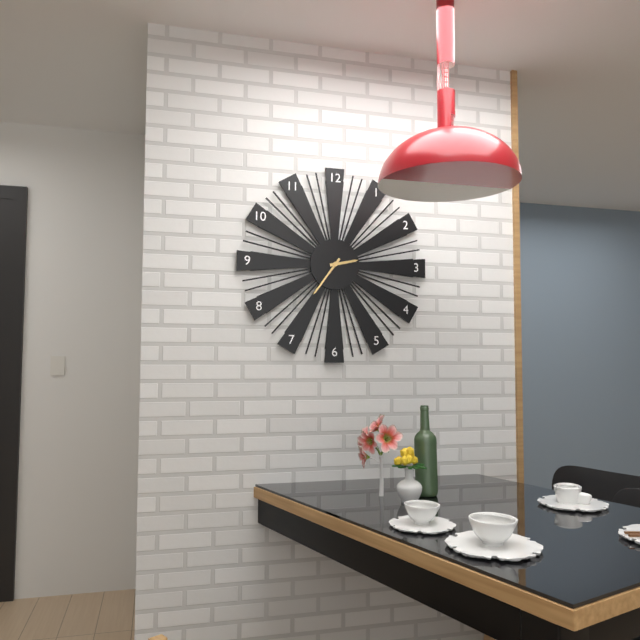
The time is {"hour": 2, "minute": 36}
